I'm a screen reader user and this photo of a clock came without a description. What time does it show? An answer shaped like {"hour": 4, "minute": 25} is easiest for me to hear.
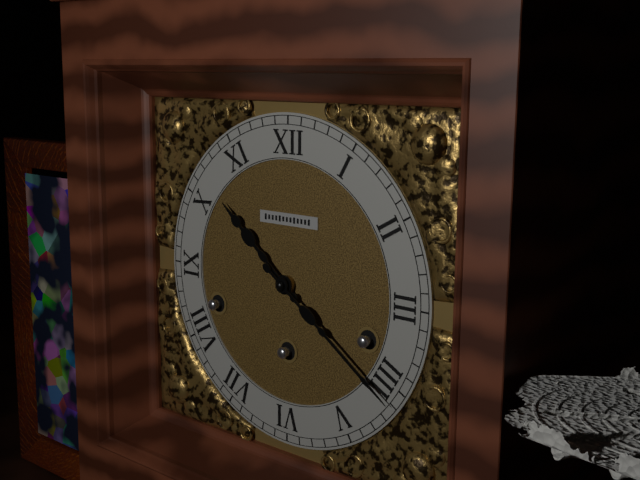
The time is {"hour": 10, "minute": 21}
